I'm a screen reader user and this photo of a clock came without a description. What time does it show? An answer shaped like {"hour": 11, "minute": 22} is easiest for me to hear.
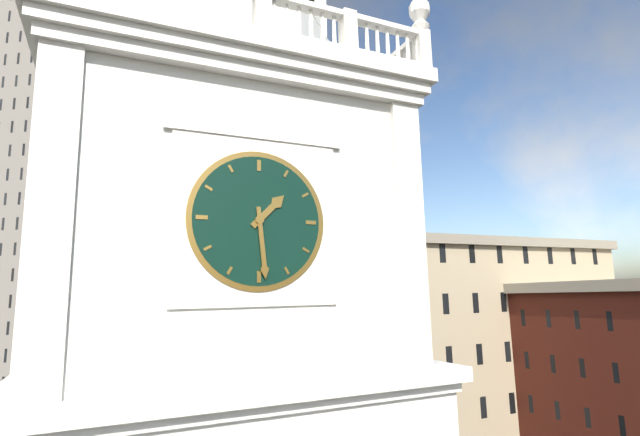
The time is {"hour": 1, "minute": 29}
